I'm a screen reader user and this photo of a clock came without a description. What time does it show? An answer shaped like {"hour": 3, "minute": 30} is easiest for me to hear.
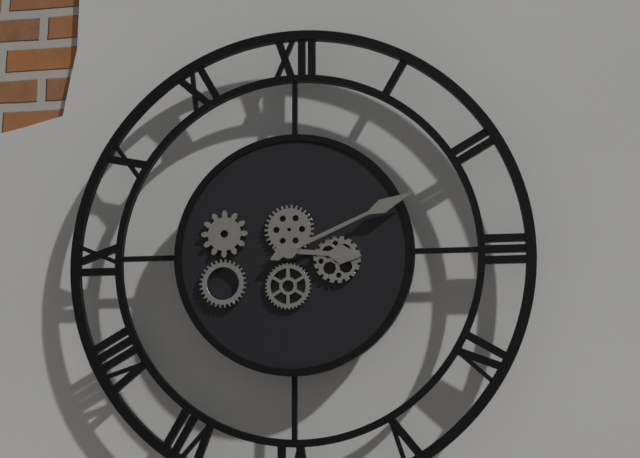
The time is {"hour": 3, "minute": 11}
